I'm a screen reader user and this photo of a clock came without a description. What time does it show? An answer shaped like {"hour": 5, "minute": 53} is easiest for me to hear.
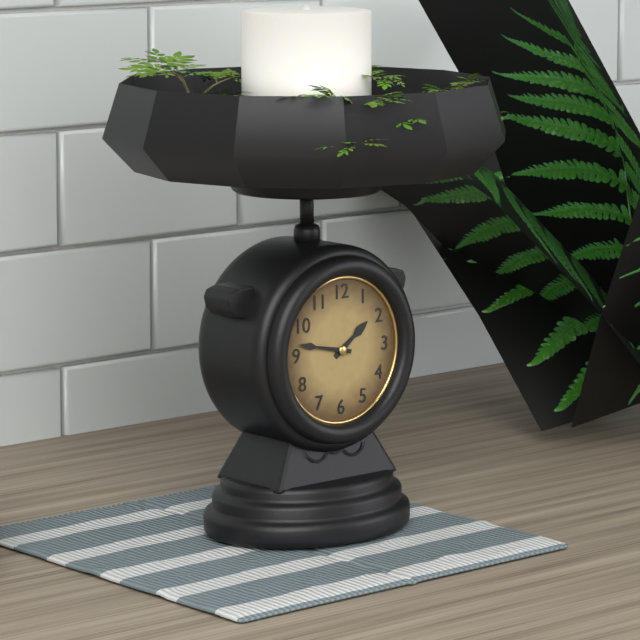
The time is {"hour": 1, "minute": 47}
